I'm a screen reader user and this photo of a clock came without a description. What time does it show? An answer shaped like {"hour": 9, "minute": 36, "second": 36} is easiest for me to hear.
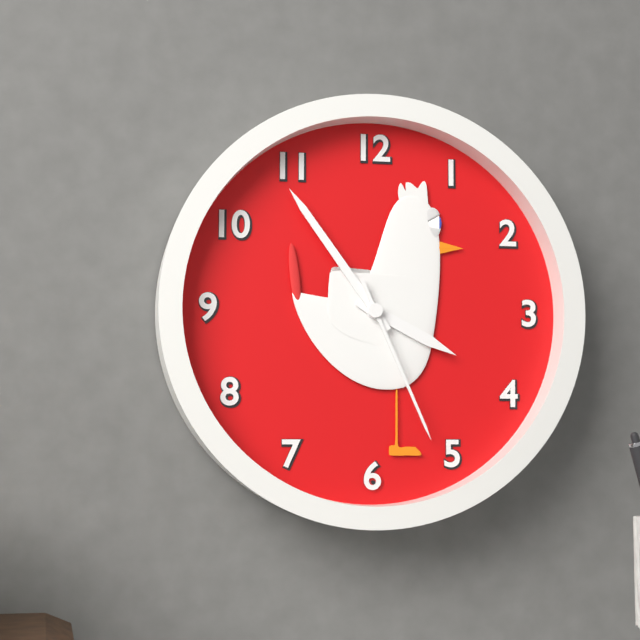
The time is {"hour": 3, "minute": 54, "second": 26}
